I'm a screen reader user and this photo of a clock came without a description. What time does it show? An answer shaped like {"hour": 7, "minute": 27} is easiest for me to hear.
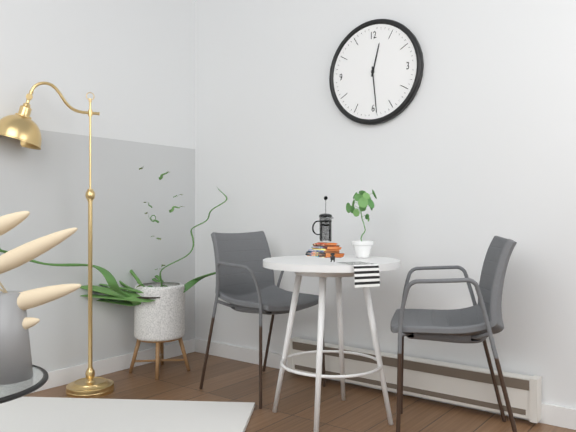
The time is {"hour": 12, "minute": 29}
